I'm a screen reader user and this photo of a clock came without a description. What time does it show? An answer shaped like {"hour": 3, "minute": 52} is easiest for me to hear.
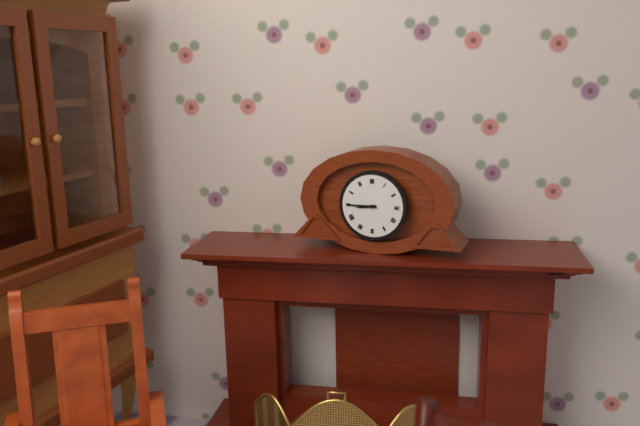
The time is {"hour": 8, "minute": 45}
